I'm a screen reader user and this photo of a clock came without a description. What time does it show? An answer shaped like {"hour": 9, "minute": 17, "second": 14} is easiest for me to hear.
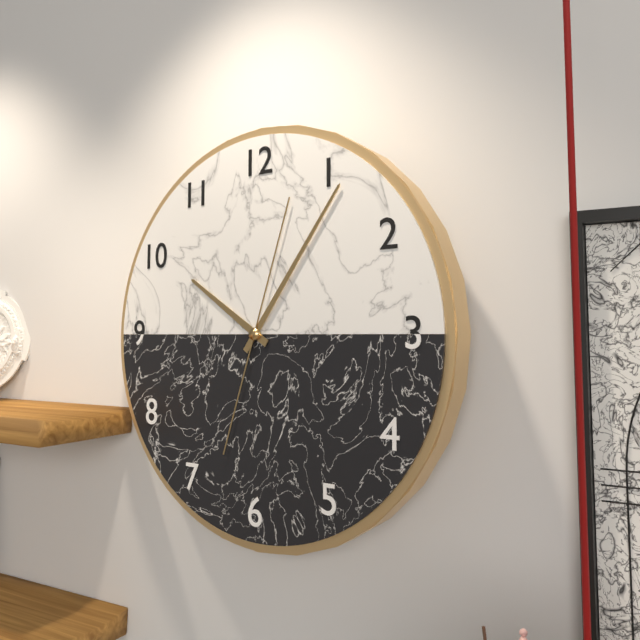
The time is {"hour": 10, "minute": 6, "second": 3}
